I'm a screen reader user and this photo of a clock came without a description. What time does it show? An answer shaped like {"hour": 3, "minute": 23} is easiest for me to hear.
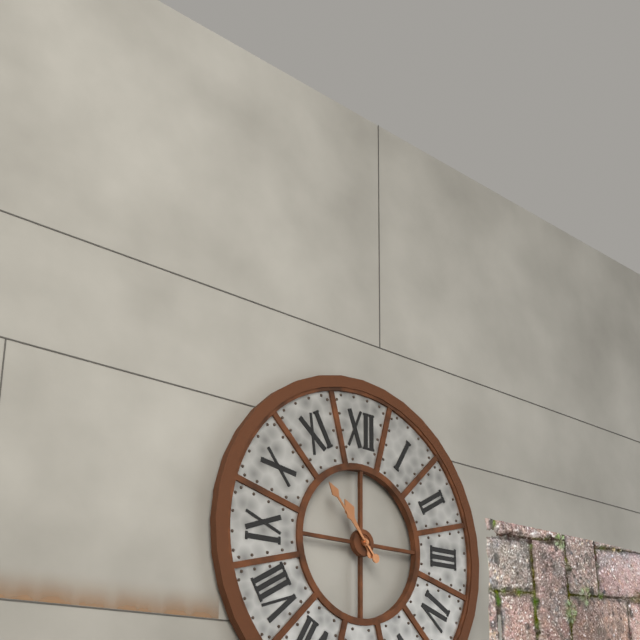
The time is {"hour": 10, "minute": 53}
